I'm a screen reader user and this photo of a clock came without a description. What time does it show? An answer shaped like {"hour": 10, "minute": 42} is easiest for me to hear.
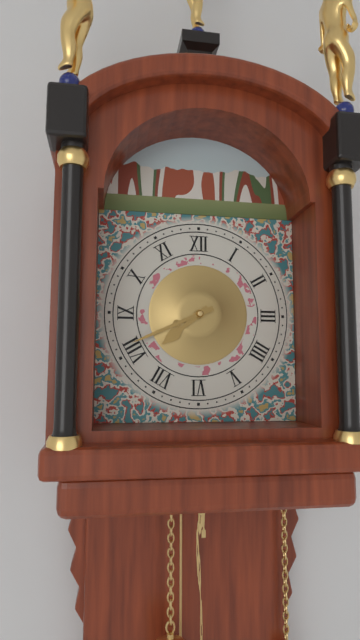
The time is {"hour": 7, "minute": 41}
